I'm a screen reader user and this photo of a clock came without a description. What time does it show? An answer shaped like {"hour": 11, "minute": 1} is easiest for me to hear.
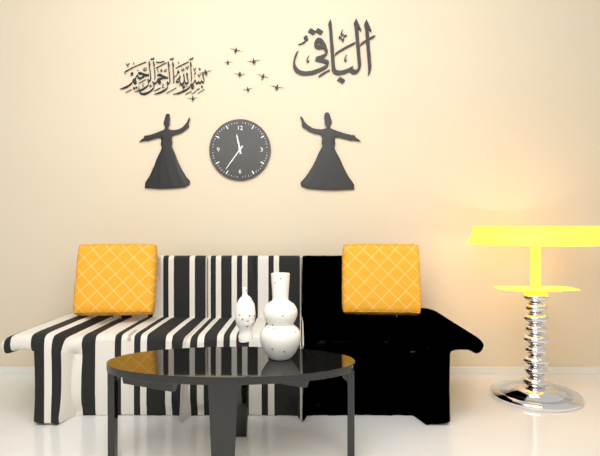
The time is {"hour": 11, "minute": 36}
